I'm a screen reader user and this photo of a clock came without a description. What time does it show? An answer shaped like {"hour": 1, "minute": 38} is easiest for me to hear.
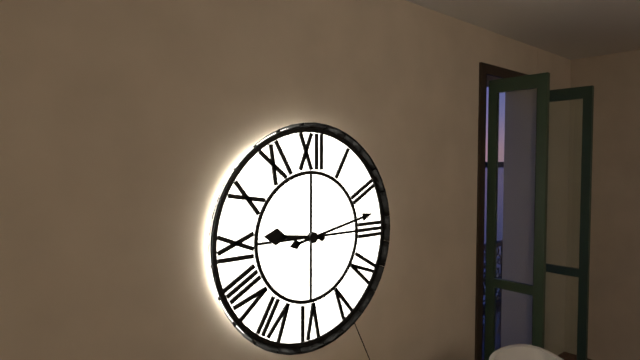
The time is {"hour": 9, "minute": 13}
